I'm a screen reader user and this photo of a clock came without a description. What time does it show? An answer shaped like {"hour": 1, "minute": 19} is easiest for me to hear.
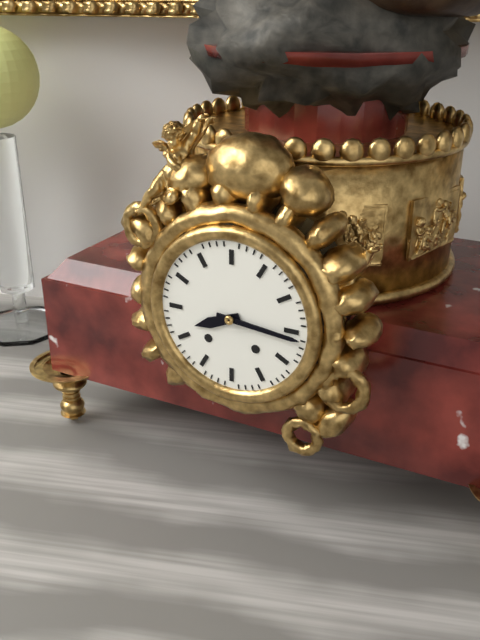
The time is {"hour": 8, "minute": 16}
